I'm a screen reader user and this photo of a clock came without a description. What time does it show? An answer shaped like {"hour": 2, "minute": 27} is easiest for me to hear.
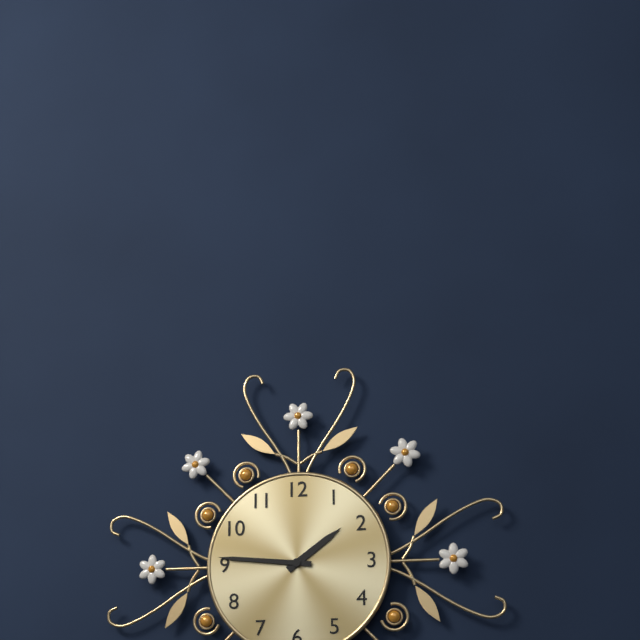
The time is {"hour": 1, "minute": 46}
